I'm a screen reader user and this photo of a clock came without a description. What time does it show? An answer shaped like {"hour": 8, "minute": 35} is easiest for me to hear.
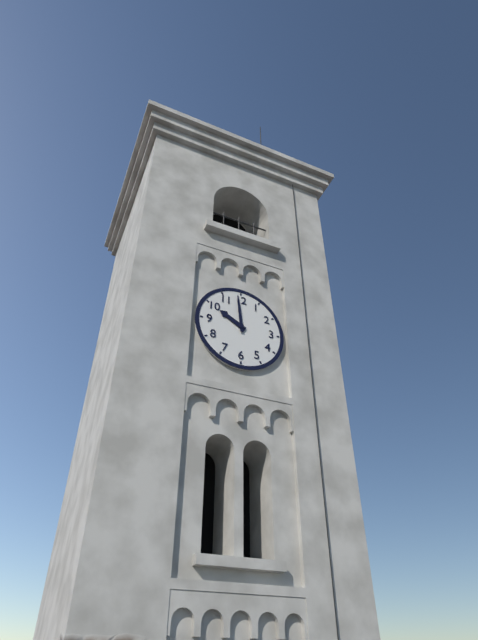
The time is {"hour": 9, "minute": 59}
